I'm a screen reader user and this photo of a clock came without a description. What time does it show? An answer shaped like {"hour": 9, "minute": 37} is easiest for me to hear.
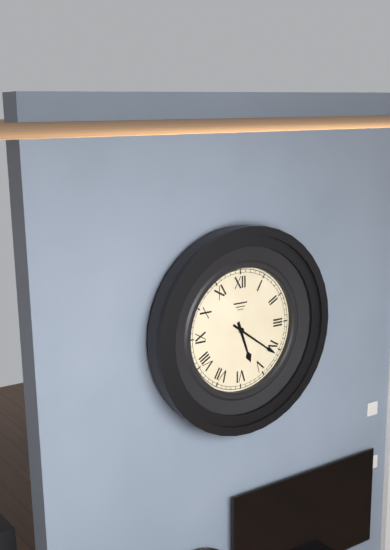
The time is {"hour": 5, "minute": 21}
